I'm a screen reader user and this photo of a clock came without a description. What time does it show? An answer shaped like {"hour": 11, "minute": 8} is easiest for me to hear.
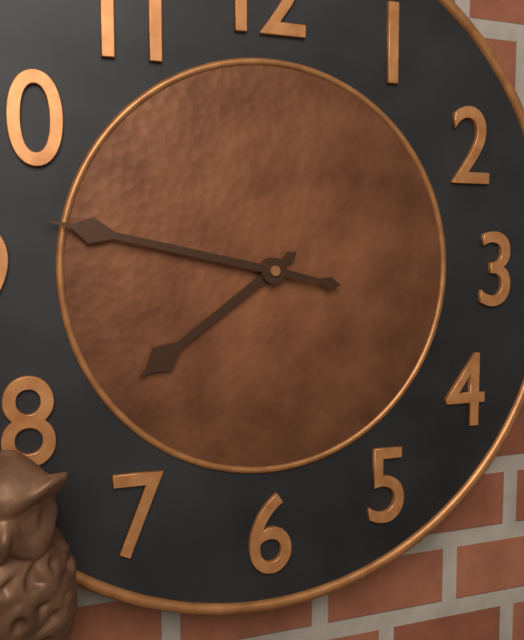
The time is {"hour": 7, "minute": 47}
